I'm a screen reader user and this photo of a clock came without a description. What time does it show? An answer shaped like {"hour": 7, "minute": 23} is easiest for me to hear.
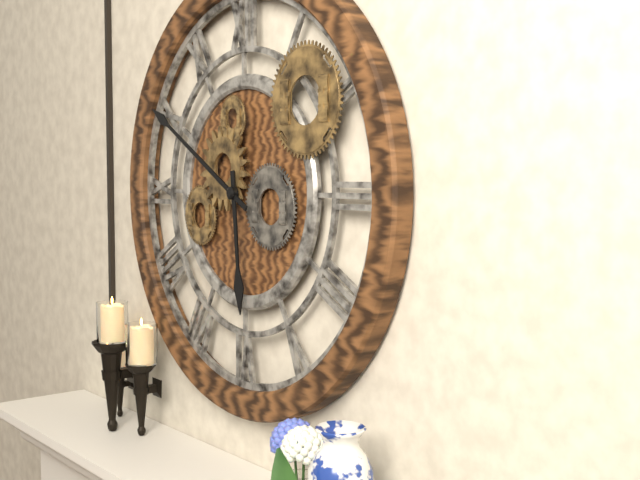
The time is {"hour": 5, "minute": 50}
